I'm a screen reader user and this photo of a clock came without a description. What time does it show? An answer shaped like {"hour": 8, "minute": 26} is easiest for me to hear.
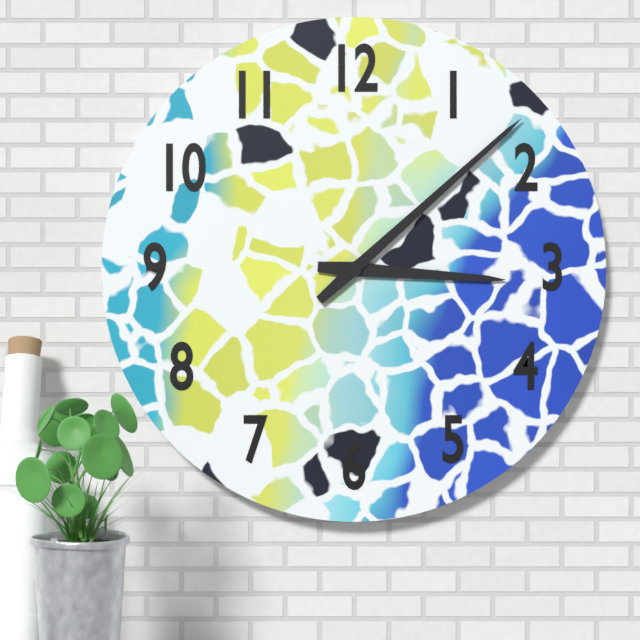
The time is {"hour": 3, "minute": 8}
